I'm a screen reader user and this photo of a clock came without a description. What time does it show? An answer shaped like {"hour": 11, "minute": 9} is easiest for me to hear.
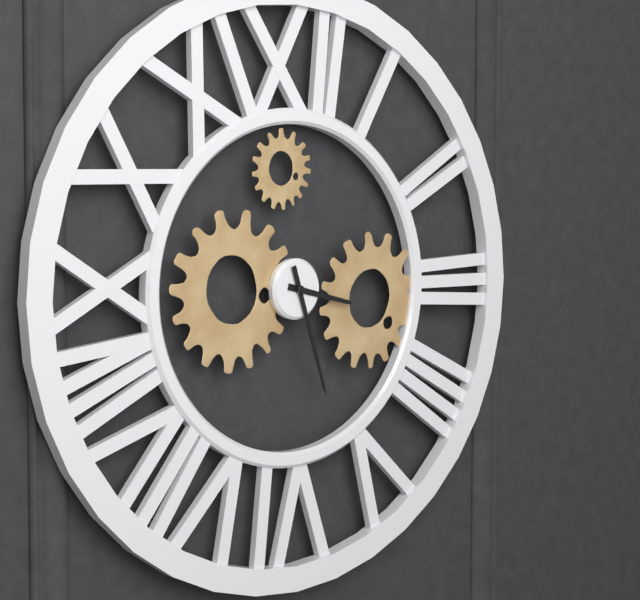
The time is {"hour": 3, "minute": 27}
